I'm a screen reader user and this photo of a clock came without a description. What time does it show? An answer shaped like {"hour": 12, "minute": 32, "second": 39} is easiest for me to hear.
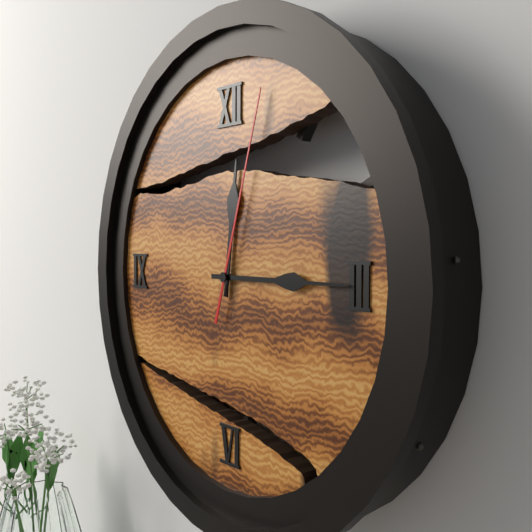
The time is {"hour": 12, "minute": 15, "second": 3}
